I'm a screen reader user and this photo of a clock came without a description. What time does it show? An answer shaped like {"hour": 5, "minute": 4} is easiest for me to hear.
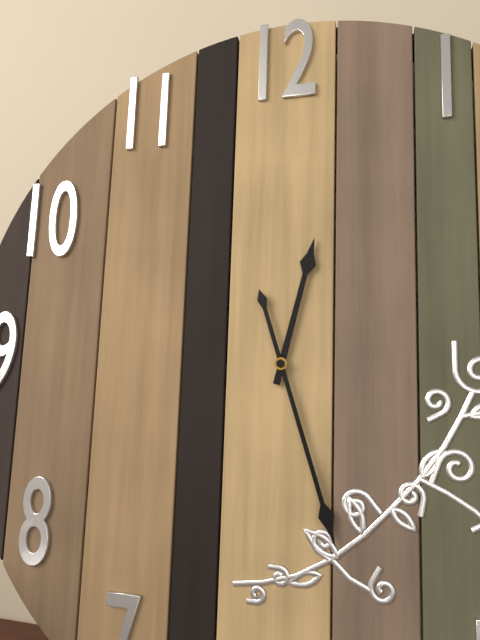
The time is {"hour": 12, "minute": 27}
